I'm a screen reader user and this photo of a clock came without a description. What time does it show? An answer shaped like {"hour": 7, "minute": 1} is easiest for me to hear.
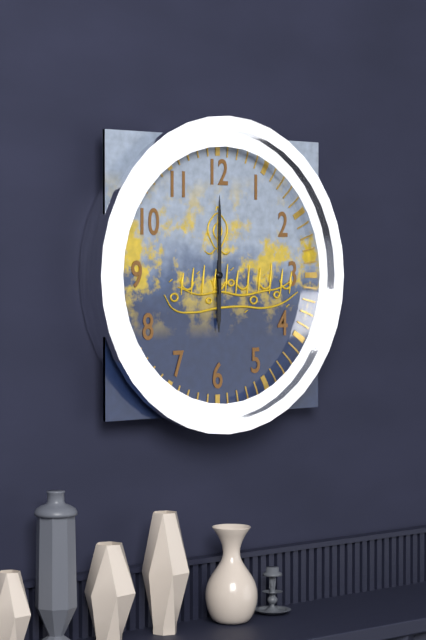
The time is {"hour": 6, "minute": 0}
